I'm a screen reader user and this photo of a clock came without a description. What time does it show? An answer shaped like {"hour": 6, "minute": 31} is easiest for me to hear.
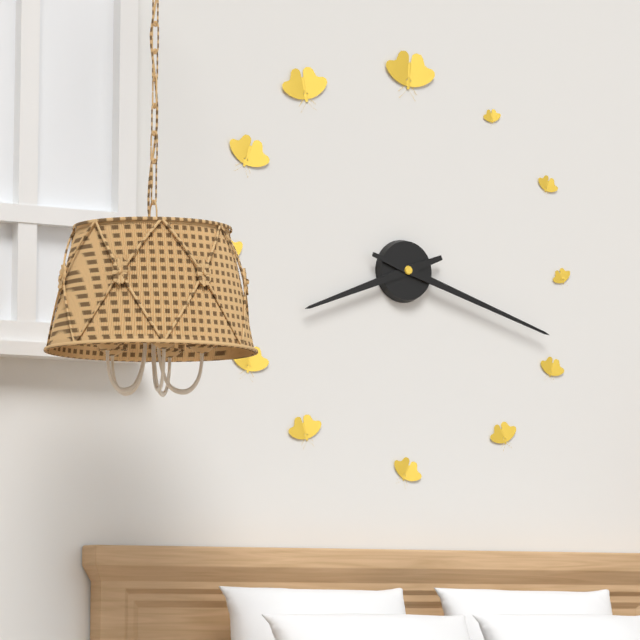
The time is {"hour": 8, "minute": 18}
